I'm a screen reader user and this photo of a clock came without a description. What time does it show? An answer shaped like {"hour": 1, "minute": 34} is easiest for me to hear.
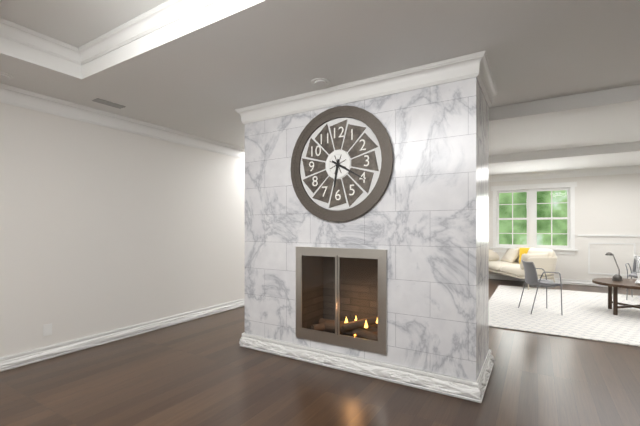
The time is {"hour": 6, "minute": 20}
